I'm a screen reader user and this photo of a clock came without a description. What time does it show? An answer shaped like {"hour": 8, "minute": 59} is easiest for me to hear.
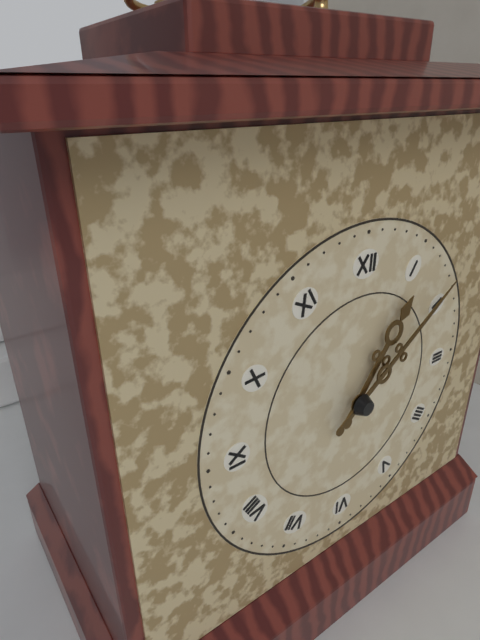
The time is {"hour": 1, "minute": 9}
